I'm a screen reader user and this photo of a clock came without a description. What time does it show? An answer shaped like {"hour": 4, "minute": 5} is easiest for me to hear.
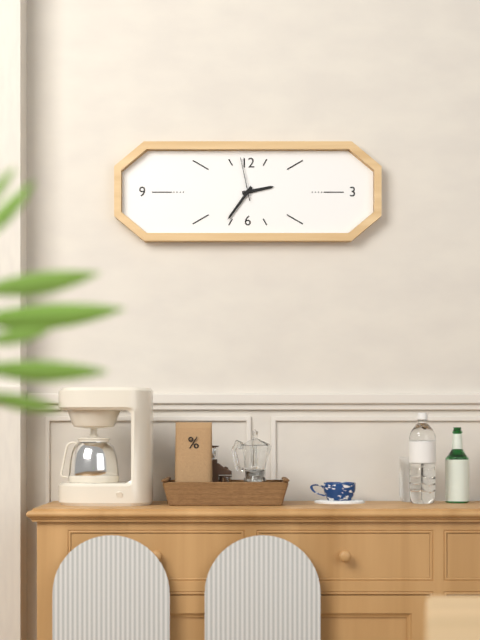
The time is {"hour": 2, "minute": 36}
